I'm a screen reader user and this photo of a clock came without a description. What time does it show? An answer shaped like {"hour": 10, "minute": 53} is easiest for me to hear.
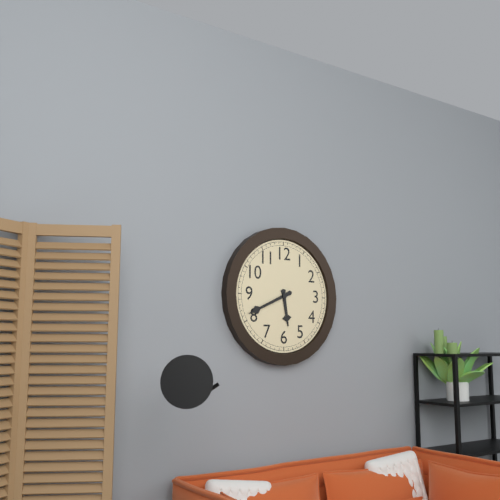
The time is {"hour": 5, "minute": 41}
